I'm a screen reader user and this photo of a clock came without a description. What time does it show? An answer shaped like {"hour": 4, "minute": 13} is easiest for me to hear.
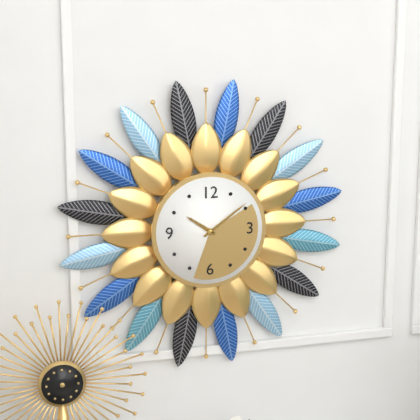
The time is {"hour": 10, "minute": 9}
